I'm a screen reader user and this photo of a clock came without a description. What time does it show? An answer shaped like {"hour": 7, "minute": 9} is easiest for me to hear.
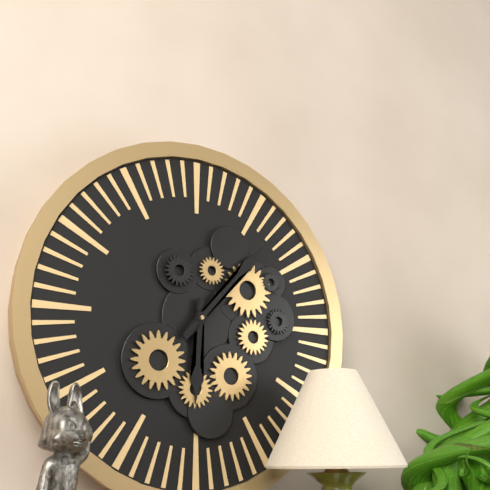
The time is {"hour": 6, "minute": 7}
